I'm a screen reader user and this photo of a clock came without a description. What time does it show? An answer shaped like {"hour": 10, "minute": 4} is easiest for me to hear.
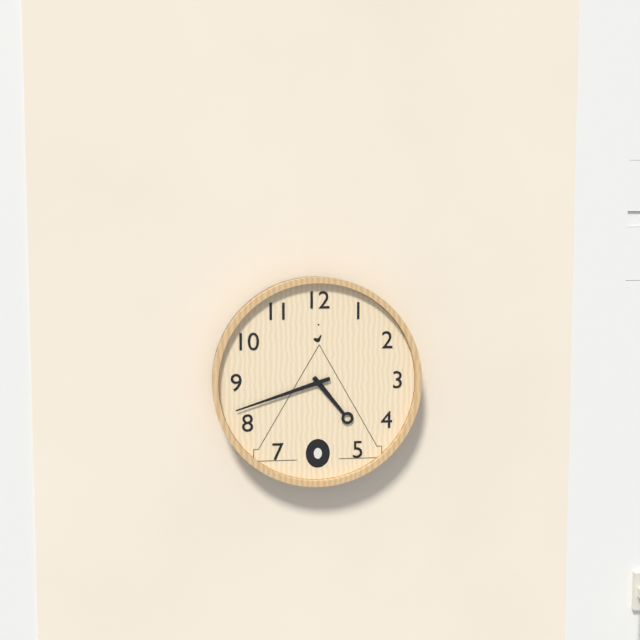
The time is {"hour": 4, "minute": 42}
